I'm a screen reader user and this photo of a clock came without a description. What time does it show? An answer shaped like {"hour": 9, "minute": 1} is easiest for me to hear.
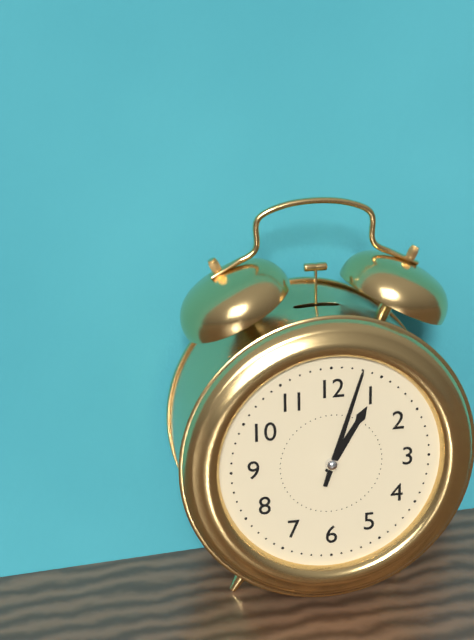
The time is {"hour": 1, "minute": 3}
